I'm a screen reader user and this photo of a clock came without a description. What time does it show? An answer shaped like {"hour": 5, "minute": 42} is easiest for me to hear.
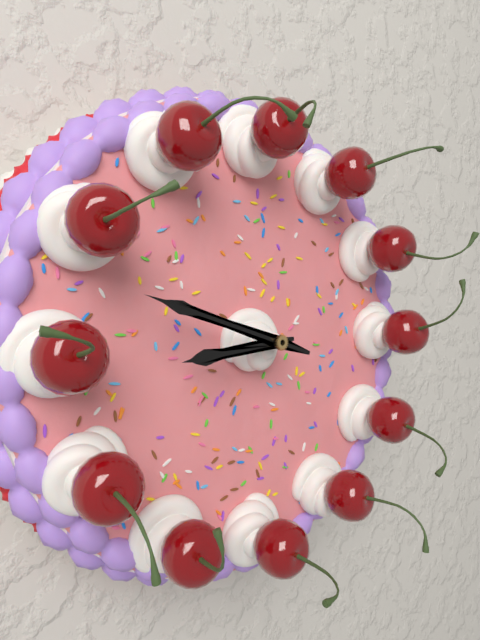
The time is {"hour": 8, "minute": 48}
